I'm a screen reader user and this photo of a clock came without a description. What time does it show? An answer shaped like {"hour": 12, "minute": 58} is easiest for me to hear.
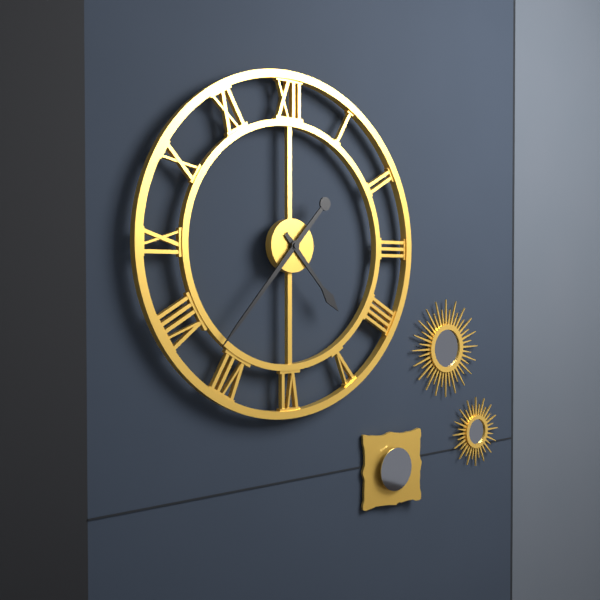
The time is {"hour": 4, "minute": 37}
